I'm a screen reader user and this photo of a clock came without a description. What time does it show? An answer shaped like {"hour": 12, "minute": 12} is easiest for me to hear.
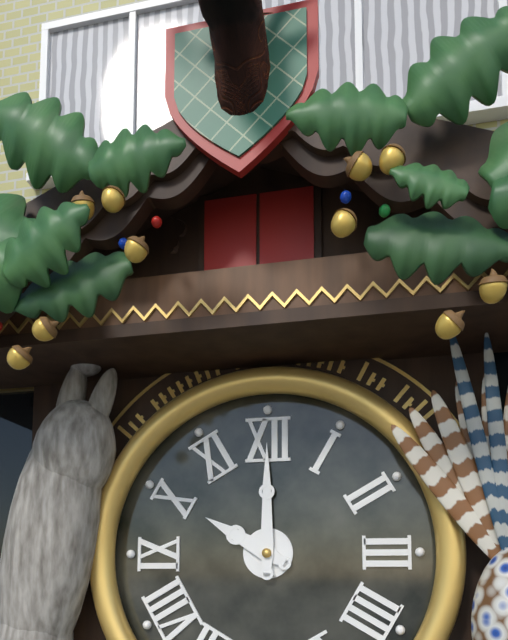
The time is {"hour": 10, "minute": 0}
